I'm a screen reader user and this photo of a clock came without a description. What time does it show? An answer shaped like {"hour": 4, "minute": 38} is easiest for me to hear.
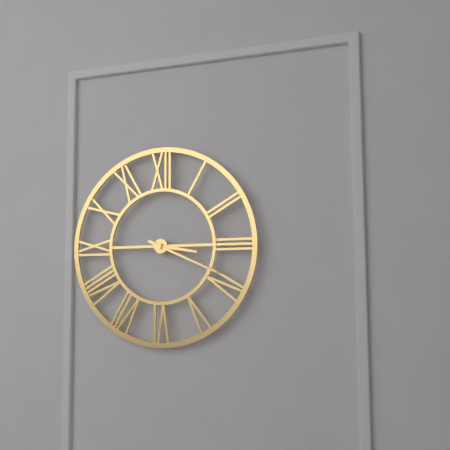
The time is {"hour": 3, "minute": 19}
